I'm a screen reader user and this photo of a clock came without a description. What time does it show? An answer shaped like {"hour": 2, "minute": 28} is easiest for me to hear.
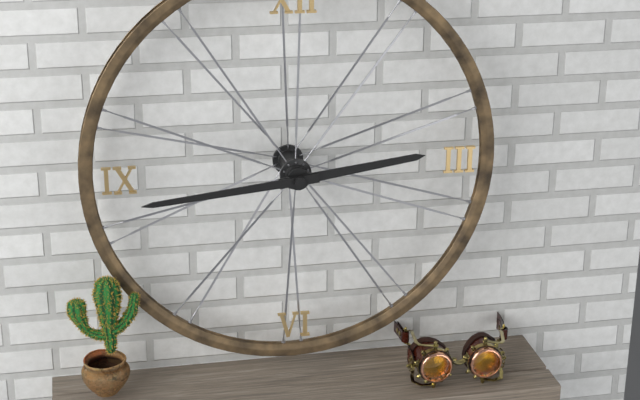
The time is {"hour": 2, "minute": 44}
